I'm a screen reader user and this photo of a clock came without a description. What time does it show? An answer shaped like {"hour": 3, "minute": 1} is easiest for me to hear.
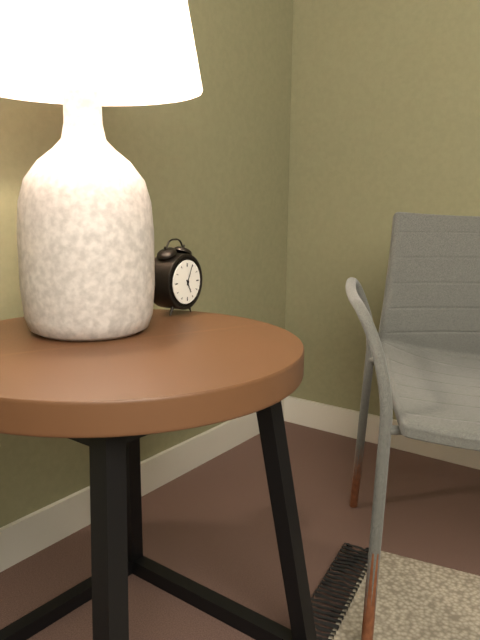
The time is {"hour": 5, "minute": 4}
